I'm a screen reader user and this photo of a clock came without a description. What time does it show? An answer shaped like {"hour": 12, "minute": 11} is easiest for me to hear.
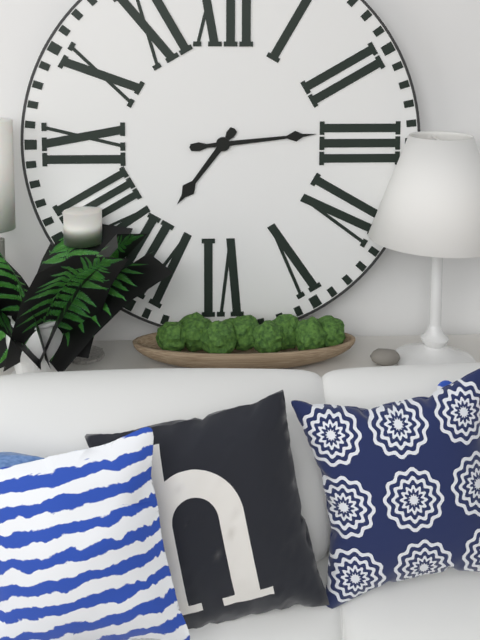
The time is {"hour": 7, "minute": 14}
